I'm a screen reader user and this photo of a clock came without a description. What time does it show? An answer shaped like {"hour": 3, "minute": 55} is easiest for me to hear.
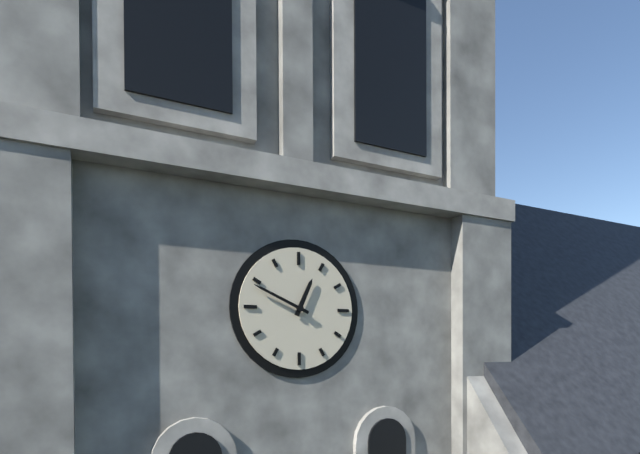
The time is {"hour": 12, "minute": 49}
